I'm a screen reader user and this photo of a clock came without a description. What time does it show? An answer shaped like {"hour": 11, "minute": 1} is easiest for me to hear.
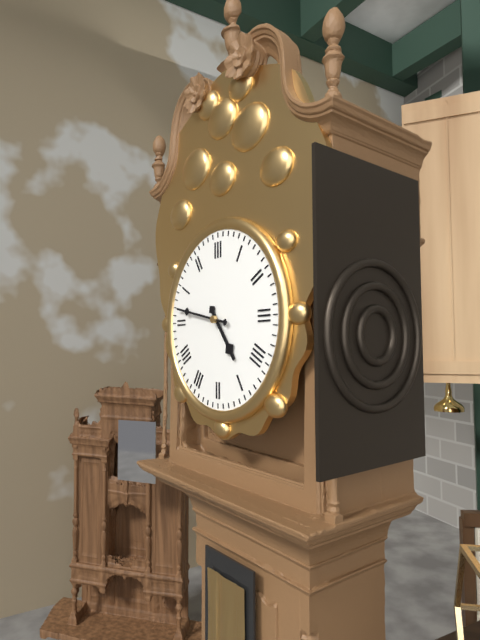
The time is {"hour": 4, "minute": 47}
